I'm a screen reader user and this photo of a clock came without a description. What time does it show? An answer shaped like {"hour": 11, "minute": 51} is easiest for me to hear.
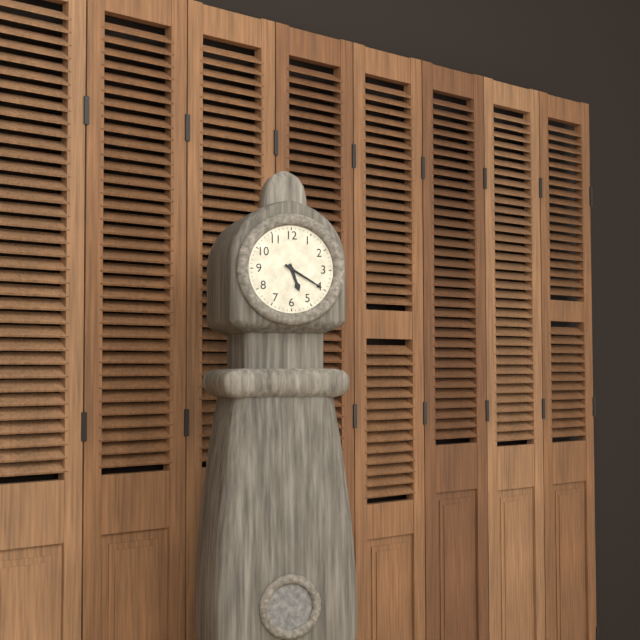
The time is {"hour": 5, "minute": 20}
